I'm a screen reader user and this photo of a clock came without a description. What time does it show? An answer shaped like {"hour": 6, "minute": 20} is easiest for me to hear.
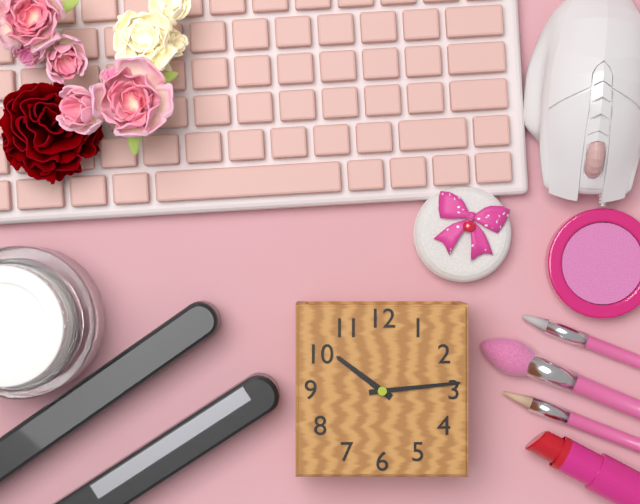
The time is {"hour": 10, "minute": 14}
